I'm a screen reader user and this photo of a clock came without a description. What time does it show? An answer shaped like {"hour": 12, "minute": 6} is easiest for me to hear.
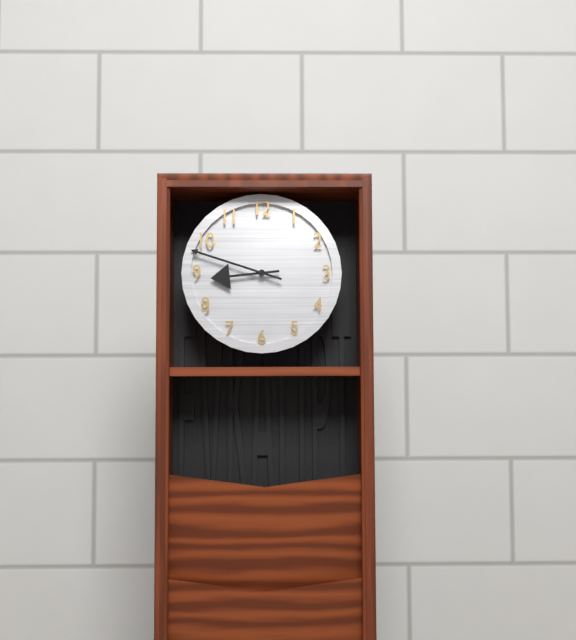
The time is {"hour": 8, "minute": 48}
